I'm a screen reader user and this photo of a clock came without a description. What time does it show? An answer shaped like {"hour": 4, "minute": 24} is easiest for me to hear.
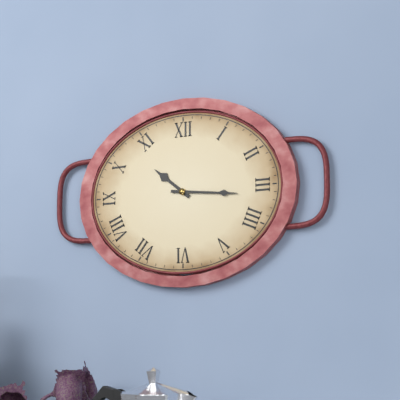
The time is {"hour": 10, "minute": 16}
